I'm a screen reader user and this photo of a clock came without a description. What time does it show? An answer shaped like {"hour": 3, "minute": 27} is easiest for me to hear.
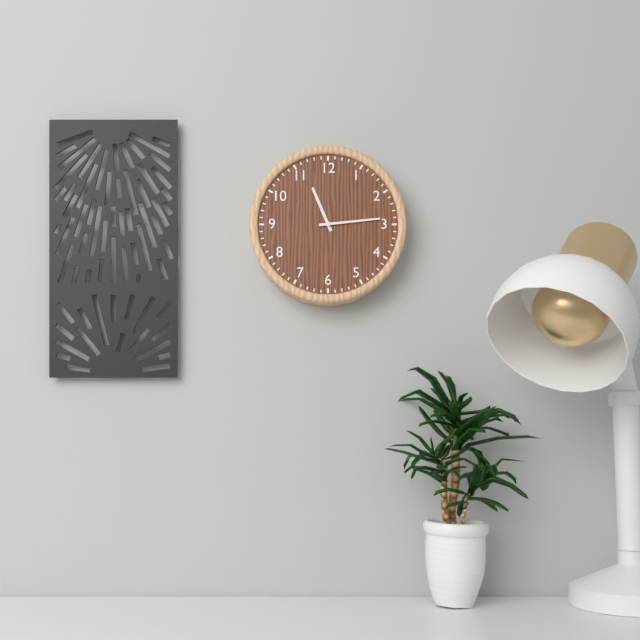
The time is {"hour": 11, "minute": 14}
